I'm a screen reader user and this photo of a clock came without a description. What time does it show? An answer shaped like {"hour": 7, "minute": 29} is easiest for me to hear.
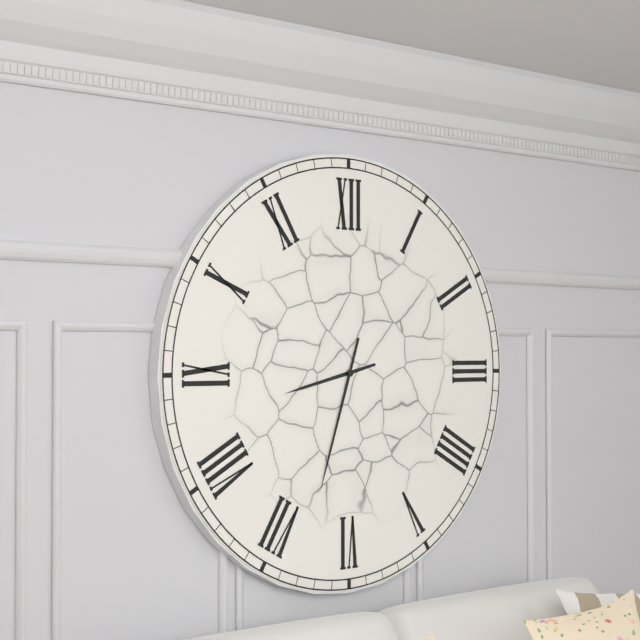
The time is {"hour": 8, "minute": 33}
